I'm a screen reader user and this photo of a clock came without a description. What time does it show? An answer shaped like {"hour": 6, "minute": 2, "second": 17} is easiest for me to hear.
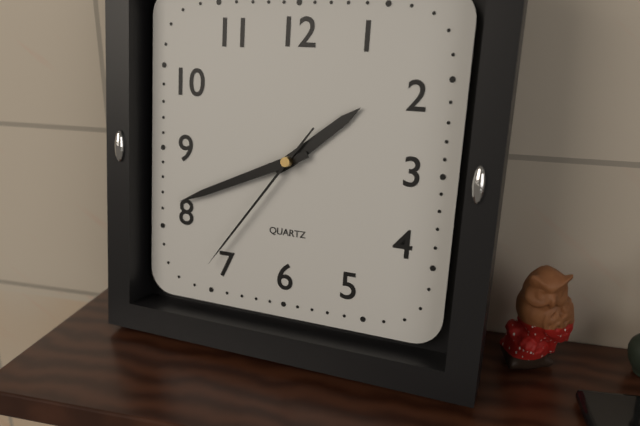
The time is {"hour": 1, "minute": 41, "second": 36}
